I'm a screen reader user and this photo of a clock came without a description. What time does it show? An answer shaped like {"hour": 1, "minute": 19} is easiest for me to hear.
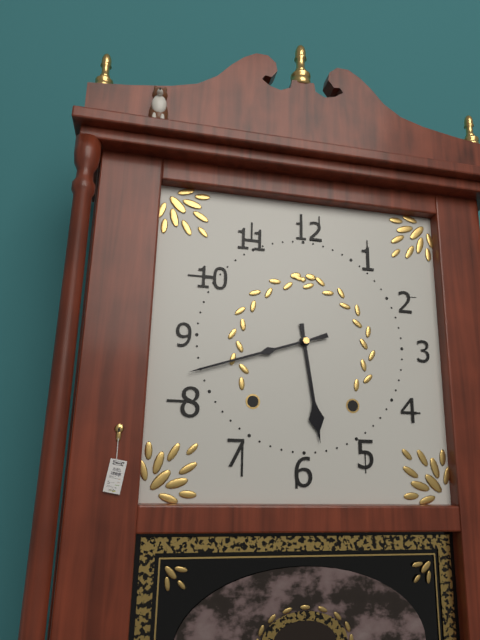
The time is {"hour": 5, "minute": 42}
